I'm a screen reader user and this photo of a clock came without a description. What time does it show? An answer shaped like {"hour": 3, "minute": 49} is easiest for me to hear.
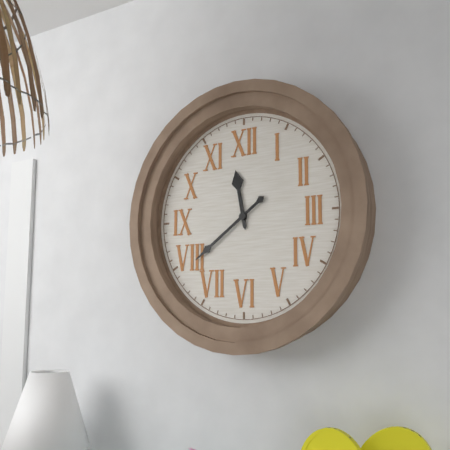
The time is {"hour": 11, "minute": 39}
